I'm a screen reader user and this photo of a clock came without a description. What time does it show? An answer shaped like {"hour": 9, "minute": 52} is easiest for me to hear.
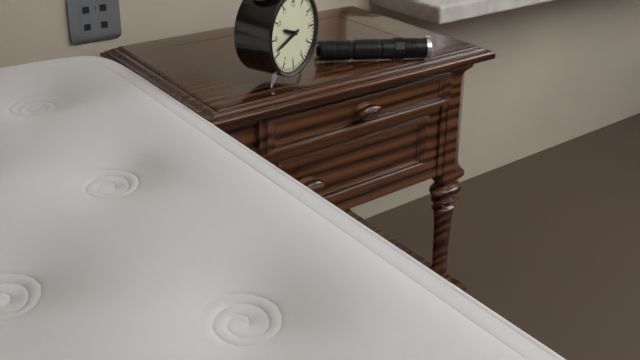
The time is {"hour": 9, "minute": 42}
